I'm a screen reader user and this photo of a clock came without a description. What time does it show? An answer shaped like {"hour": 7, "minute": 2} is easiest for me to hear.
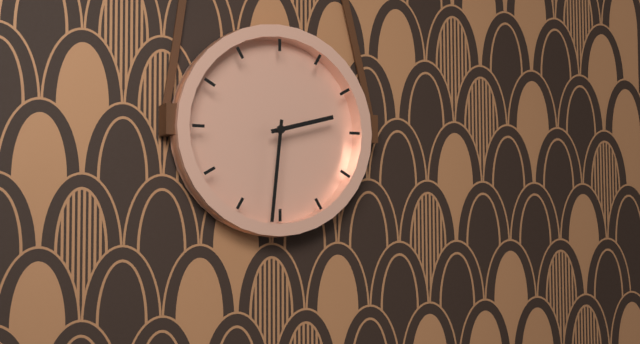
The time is {"hour": 2, "minute": 31}
